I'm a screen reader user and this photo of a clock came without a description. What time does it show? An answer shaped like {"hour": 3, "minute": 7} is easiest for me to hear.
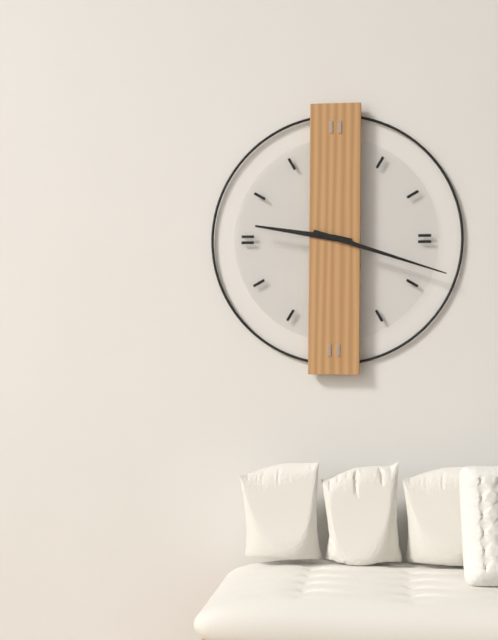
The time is {"hour": 9, "minute": 18}
